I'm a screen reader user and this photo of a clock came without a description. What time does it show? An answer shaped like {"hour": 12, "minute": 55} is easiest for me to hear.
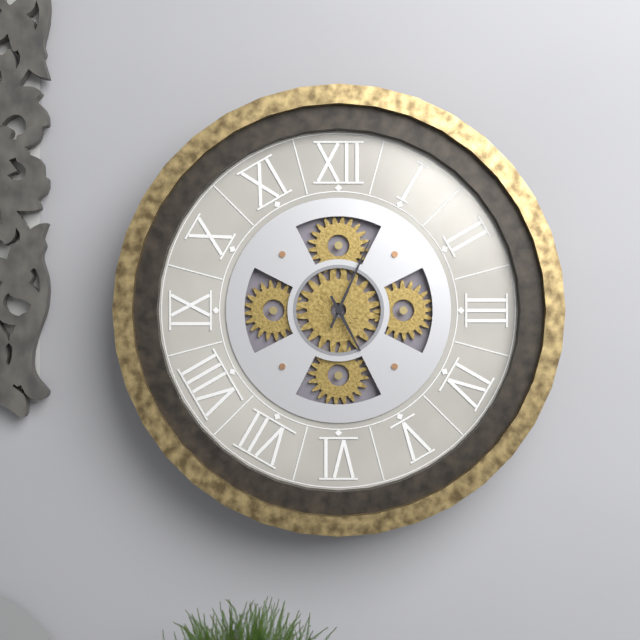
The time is {"hour": 5, "minute": 4}
